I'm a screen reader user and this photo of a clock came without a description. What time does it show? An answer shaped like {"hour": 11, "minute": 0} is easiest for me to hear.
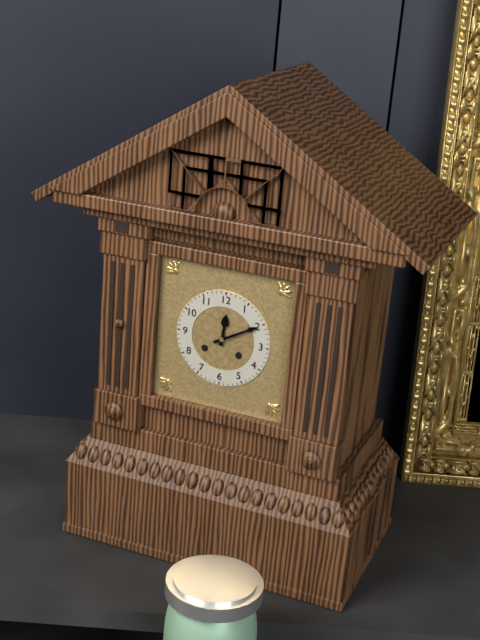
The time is {"hour": 12, "minute": 10}
